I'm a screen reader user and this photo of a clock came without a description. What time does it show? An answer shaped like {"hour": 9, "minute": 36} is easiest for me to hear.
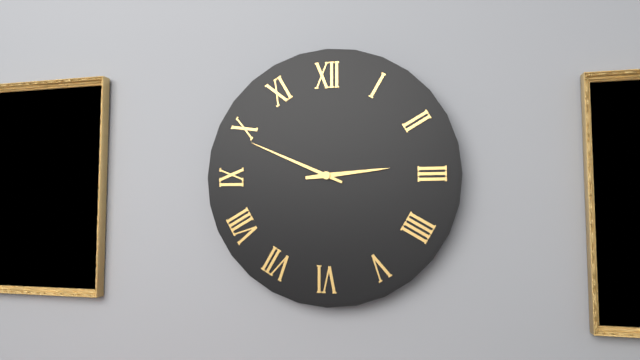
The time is {"hour": 2, "minute": 49}
